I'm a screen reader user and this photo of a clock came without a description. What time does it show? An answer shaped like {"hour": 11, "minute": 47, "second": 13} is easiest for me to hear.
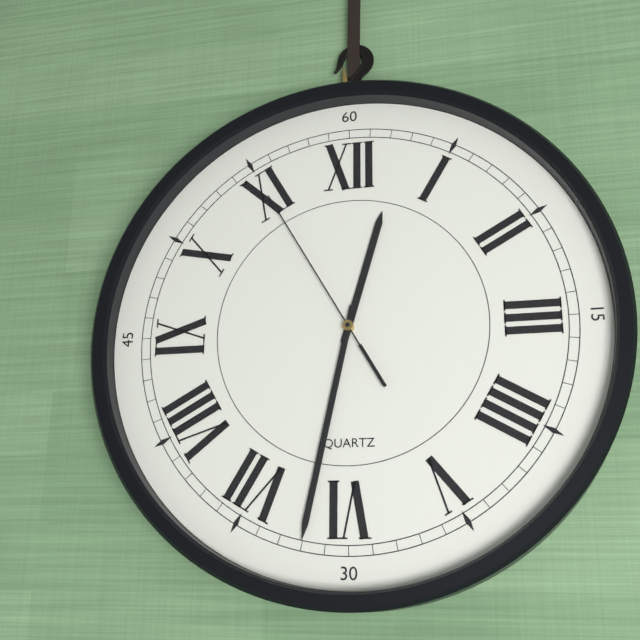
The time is {"hour": 12, "minute": 32, "second": 55}
